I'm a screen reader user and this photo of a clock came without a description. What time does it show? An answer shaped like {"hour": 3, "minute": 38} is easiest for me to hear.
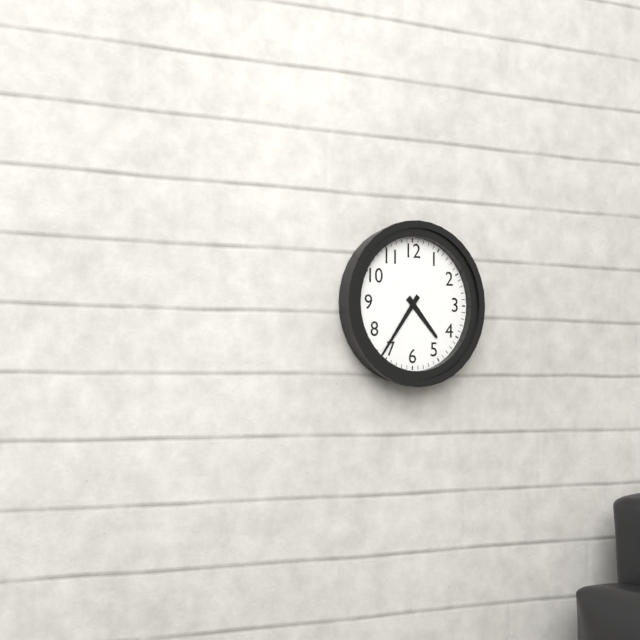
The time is {"hour": 4, "minute": 36}
